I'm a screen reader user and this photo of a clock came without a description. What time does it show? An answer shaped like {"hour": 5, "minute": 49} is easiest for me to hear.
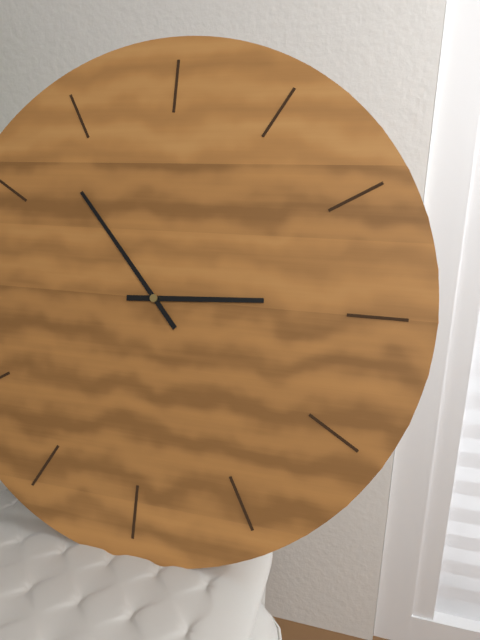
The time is {"hour": 2, "minute": 53}
